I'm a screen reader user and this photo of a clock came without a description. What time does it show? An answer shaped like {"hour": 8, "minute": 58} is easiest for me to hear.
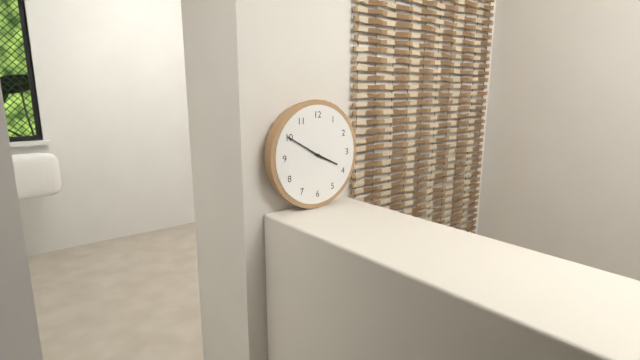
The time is {"hour": 3, "minute": 50}
